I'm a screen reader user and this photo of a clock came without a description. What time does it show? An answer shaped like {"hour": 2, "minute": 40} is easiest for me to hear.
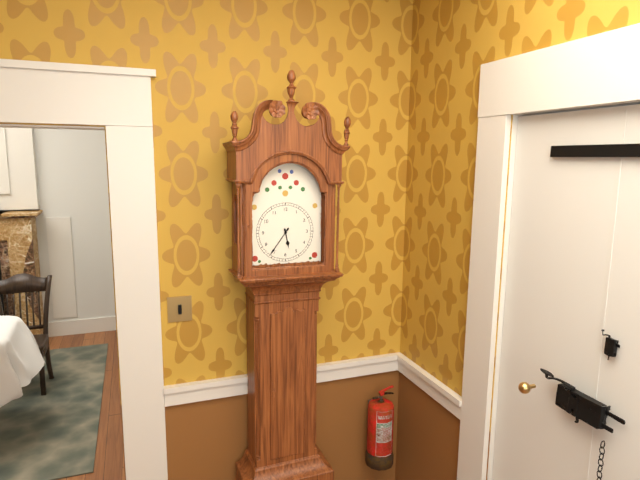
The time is {"hour": 5, "minute": 36}
